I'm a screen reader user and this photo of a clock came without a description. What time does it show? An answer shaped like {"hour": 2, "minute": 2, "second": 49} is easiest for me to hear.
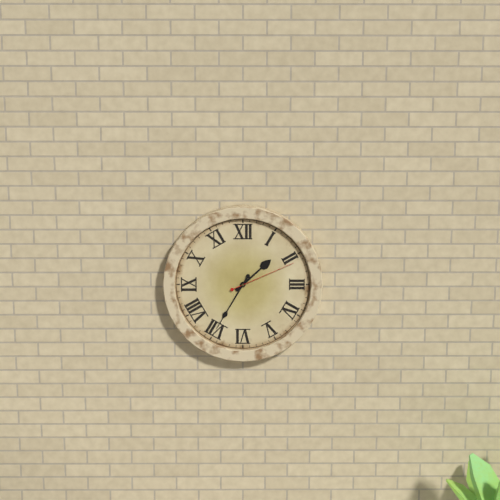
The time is {"hour": 1, "minute": 35, "second": 11}
